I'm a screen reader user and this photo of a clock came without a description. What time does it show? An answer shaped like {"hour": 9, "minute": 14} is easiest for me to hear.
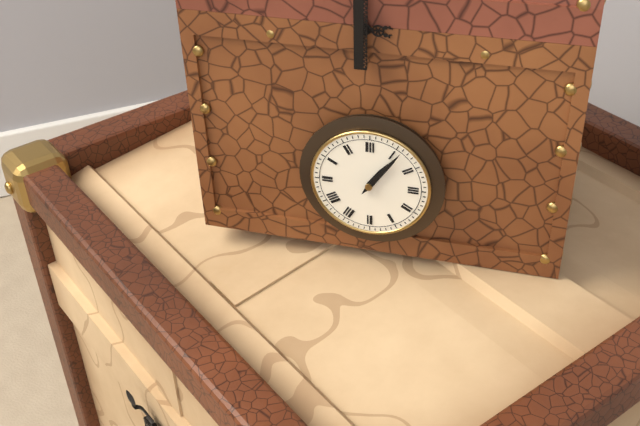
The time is {"hour": 1, "minute": 6}
